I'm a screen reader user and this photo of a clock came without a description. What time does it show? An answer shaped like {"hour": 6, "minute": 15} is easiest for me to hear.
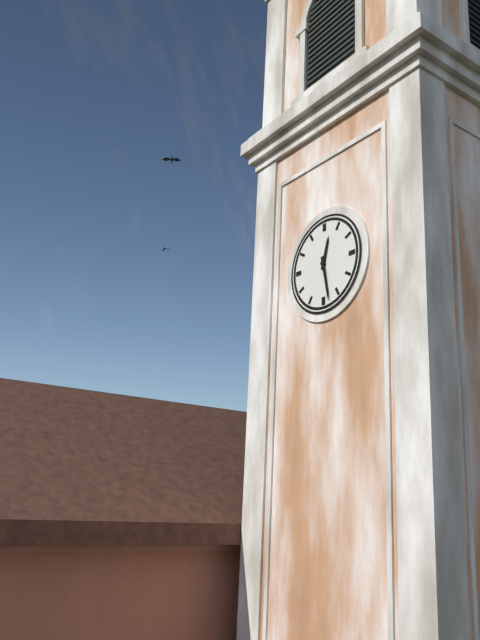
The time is {"hour": 12, "minute": 28}
